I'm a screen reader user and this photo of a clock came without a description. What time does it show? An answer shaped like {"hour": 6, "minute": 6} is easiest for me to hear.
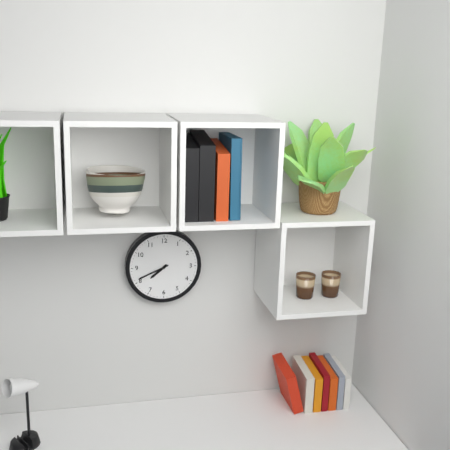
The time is {"hour": 7, "minute": 41}
